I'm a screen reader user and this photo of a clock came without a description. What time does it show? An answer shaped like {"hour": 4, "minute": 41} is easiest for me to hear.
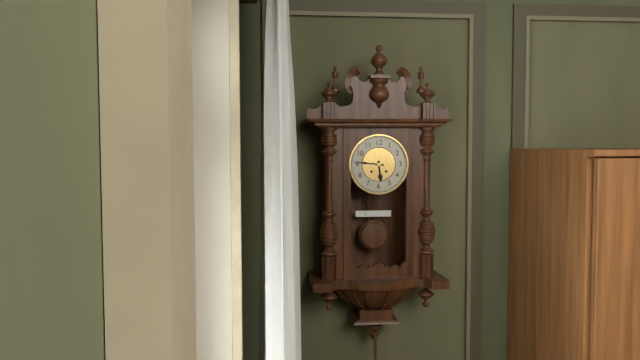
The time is {"hour": 5, "minute": 46}
